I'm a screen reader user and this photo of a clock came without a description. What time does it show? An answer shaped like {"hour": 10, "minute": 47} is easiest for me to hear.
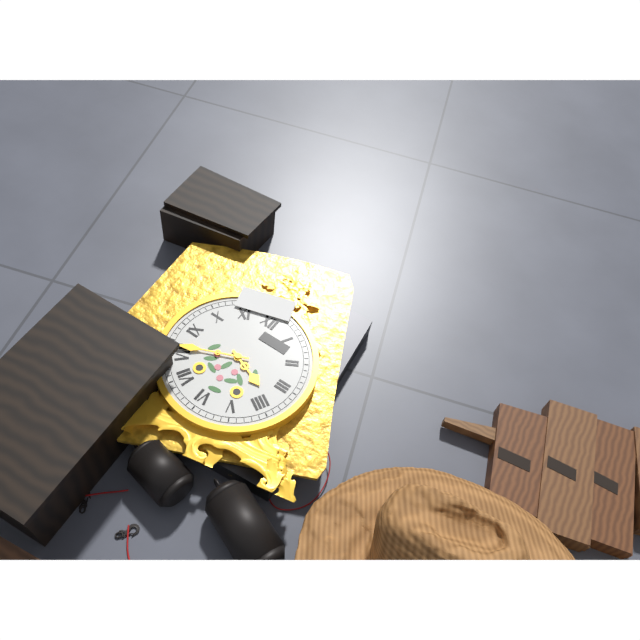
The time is {"hour": 3, "minute": 41}
